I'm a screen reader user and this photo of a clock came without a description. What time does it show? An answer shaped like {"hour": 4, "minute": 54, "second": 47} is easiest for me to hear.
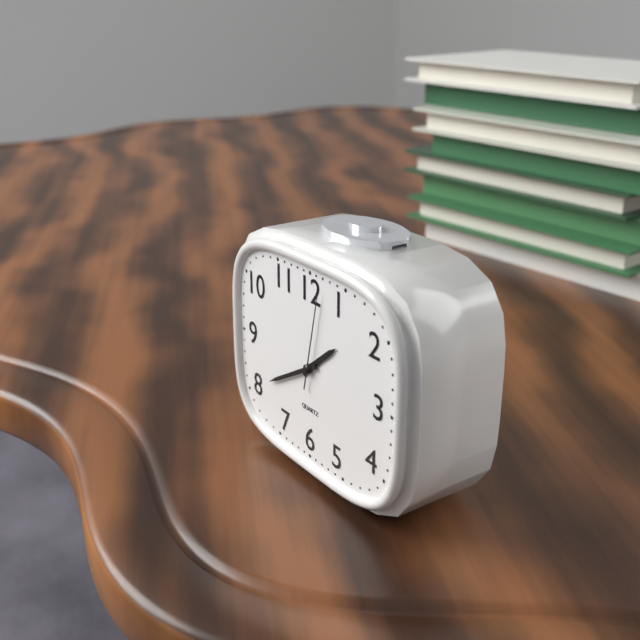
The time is {"hour": 1, "minute": 40, "second": 2}
